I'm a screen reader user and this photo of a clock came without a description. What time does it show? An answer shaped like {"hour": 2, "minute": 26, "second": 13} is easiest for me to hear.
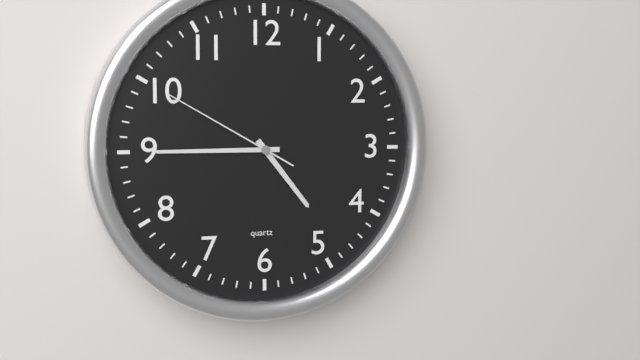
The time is {"hour": 4, "minute": 45, "second": 50}
